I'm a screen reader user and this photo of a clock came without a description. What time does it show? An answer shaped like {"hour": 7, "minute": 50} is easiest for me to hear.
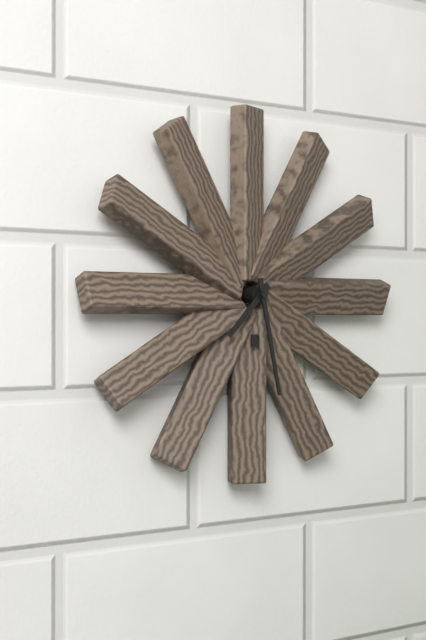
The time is {"hour": 7, "minute": 28}
